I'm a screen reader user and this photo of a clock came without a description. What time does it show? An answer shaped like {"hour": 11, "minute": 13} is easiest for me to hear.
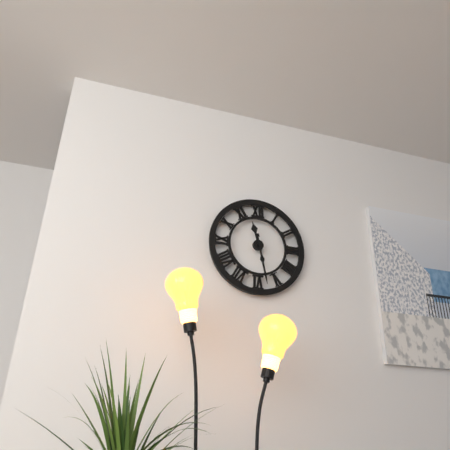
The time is {"hour": 11, "minute": 28}
